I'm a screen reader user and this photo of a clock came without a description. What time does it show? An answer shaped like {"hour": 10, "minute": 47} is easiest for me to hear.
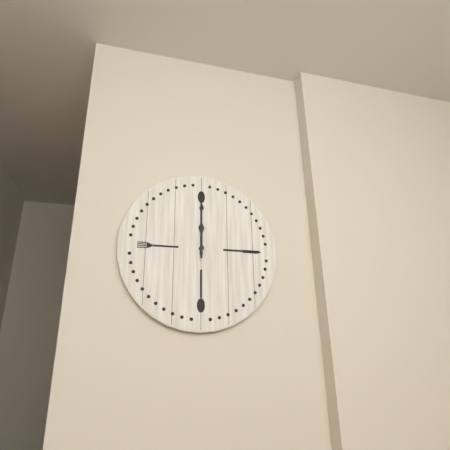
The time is {"hour": 12, "minute": 0}
